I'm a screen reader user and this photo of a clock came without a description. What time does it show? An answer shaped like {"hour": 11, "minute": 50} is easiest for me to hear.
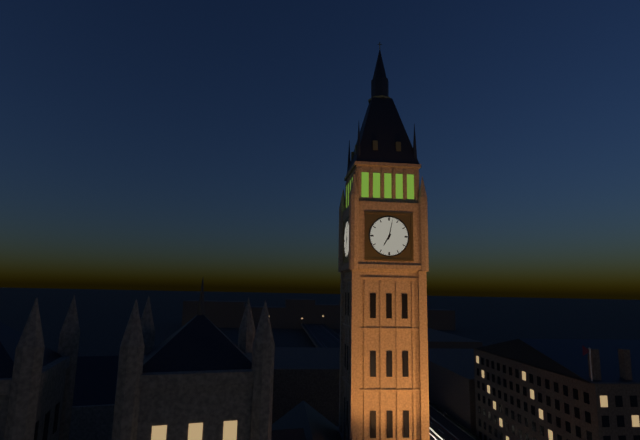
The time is {"hour": 7, "minute": 2}
